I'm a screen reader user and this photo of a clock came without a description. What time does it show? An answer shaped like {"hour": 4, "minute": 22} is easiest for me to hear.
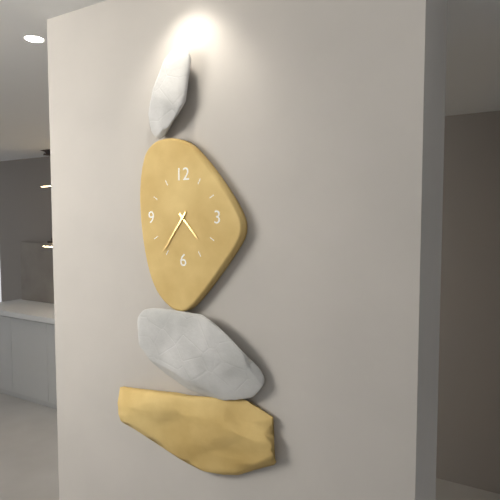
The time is {"hour": 4, "minute": 36}
